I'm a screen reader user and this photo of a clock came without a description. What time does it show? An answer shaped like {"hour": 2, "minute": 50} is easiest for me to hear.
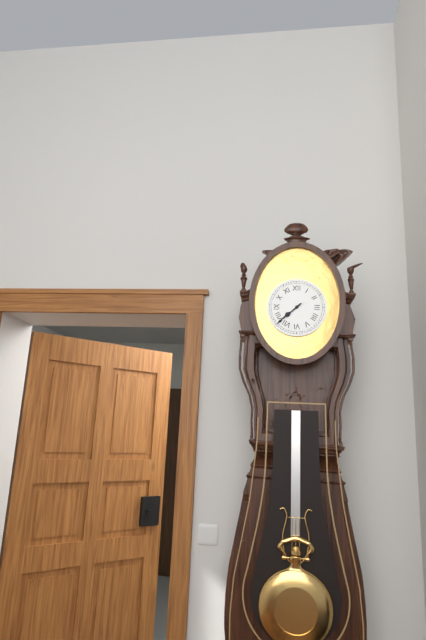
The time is {"hour": 7, "minute": 38}
